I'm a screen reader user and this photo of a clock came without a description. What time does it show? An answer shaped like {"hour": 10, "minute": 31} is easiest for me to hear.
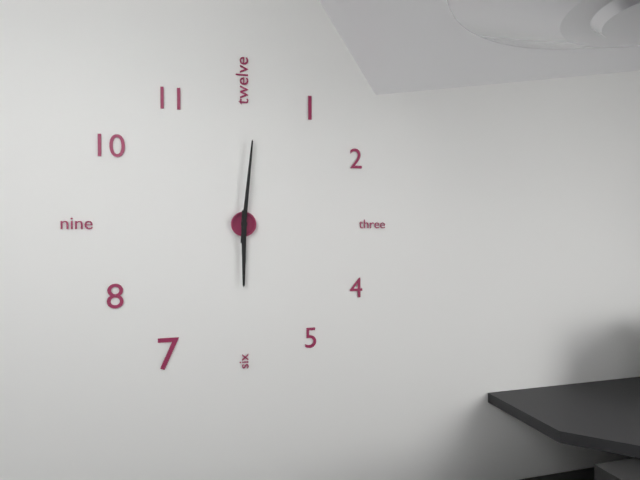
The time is {"hour": 6, "minute": 1}
